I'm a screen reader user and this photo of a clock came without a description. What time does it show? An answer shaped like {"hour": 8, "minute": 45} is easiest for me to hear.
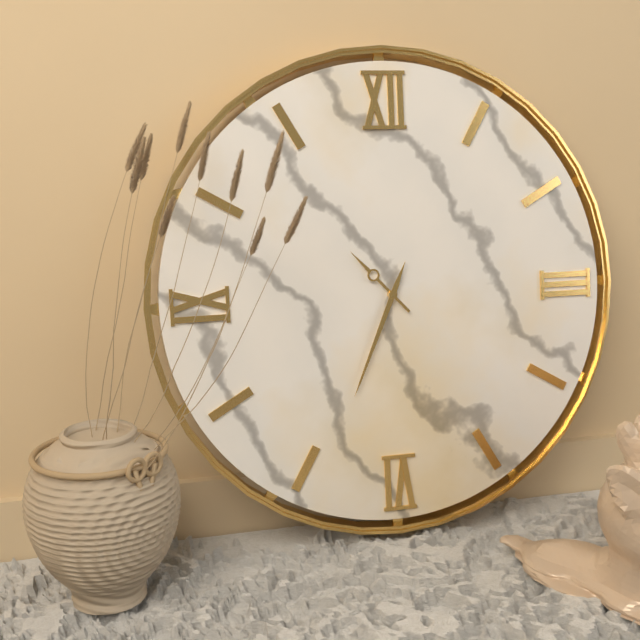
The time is {"hour": 10, "minute": 34}
